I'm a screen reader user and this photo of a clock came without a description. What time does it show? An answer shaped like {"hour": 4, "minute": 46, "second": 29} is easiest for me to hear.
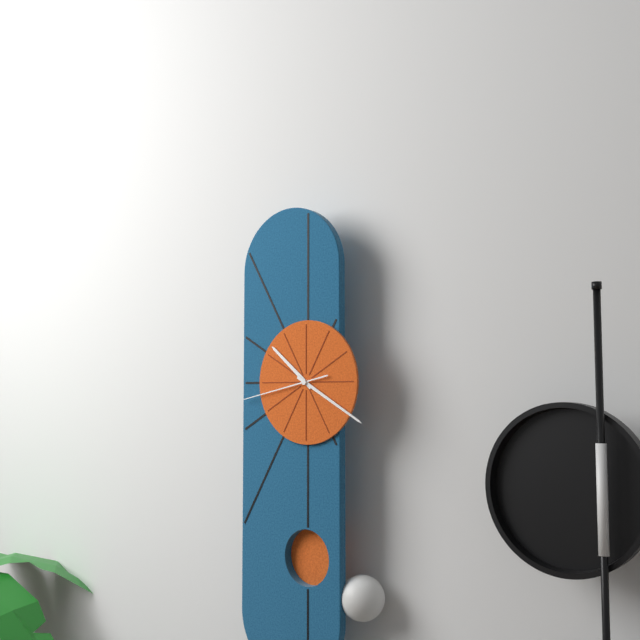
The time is {"hour": 10, "minute": 20, "second": 43}
